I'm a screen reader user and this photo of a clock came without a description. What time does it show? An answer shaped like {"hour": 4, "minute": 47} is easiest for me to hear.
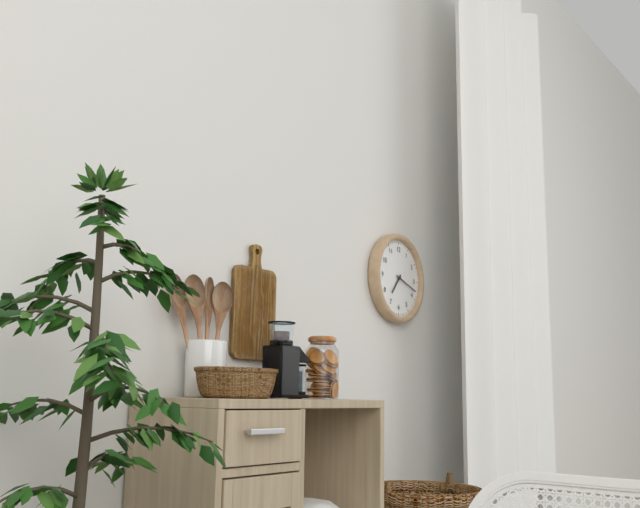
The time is {"hour": 7, "minute": 18}
